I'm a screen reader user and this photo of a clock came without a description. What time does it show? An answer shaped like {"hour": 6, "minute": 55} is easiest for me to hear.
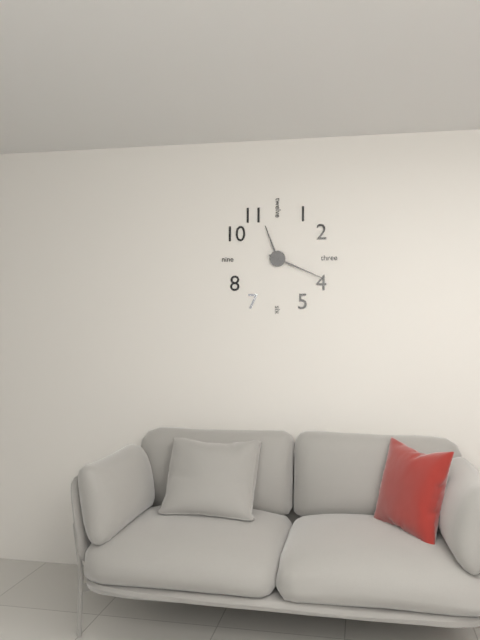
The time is {"hour": 11, "minute": 19}
